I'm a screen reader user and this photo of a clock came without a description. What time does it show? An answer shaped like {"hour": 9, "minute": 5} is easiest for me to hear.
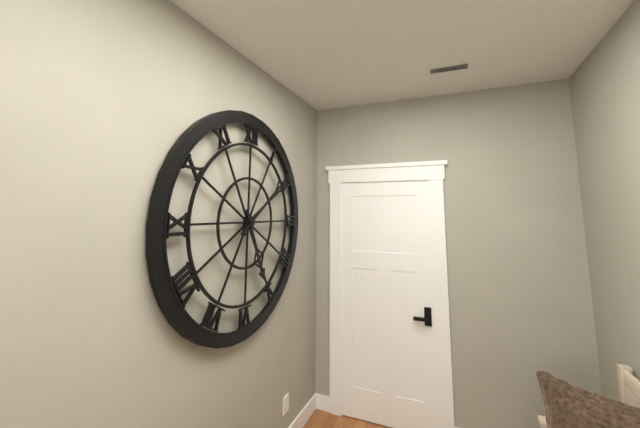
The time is {"hour": 5, "minute": 9}
